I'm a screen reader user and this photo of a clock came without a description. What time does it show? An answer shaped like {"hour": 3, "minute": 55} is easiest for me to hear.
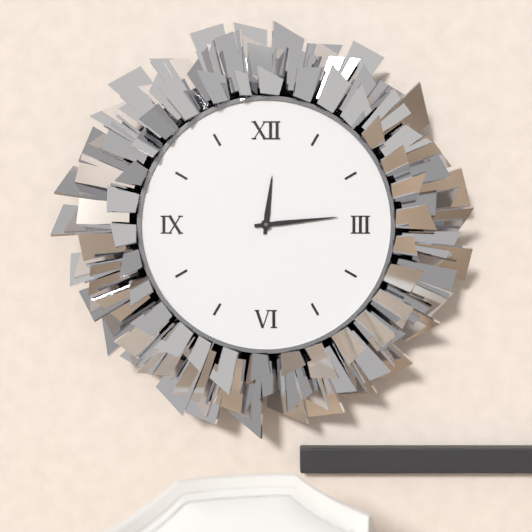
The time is {"hour": 12, "minute": 14}
